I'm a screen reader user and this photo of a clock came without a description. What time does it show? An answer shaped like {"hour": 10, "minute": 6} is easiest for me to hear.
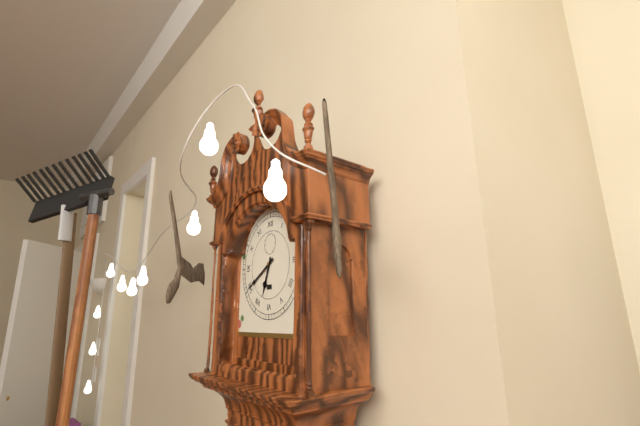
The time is {"hour": 6, "minute": 40}
